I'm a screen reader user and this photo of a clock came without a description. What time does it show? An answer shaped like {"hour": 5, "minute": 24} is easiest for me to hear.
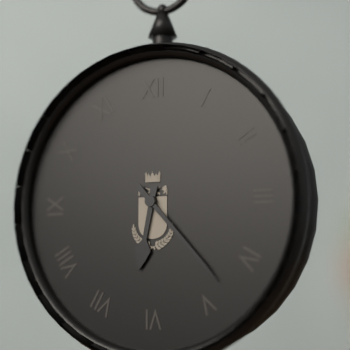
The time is {"hour": 6, "minute": 23}
